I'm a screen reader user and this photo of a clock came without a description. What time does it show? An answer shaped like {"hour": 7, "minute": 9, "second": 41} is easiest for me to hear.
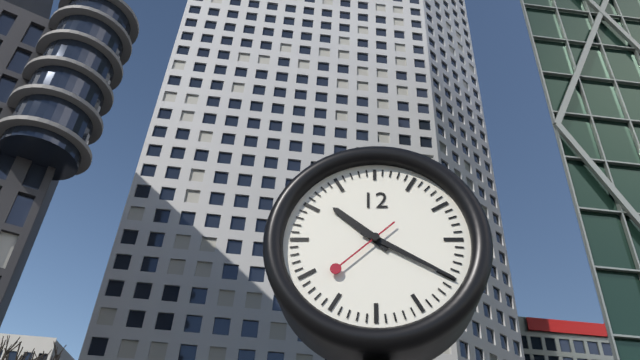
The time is {"hour": 10, "minute": 20, "second": 38}
